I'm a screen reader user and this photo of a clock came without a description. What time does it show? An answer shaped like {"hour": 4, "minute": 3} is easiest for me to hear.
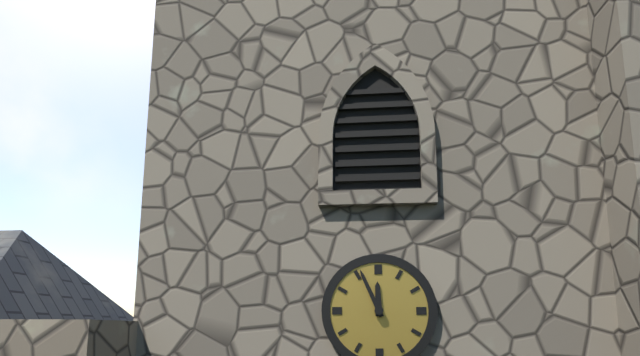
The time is {"hour": 11, "minute": 56}
